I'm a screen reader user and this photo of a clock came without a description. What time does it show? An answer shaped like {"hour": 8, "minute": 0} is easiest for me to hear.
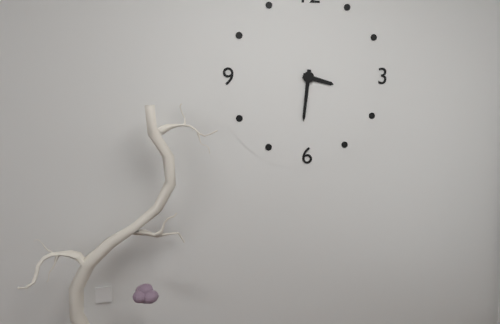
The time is {"hour": 3, "minute": 31}
